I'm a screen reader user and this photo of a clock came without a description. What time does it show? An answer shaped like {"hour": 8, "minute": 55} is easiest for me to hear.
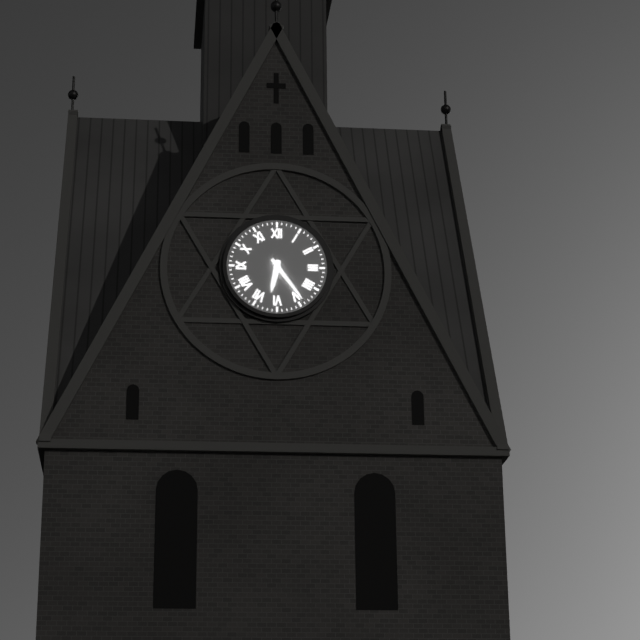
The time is {"hour": 6, "minute": 24}
